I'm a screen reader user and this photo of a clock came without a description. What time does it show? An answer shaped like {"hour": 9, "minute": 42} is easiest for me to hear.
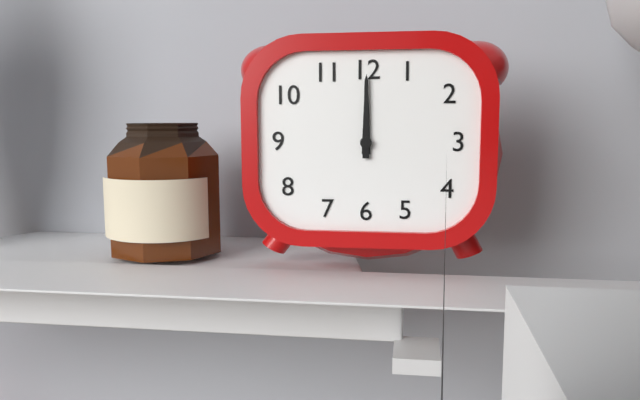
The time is {"hour": 12, "minute": 0}
